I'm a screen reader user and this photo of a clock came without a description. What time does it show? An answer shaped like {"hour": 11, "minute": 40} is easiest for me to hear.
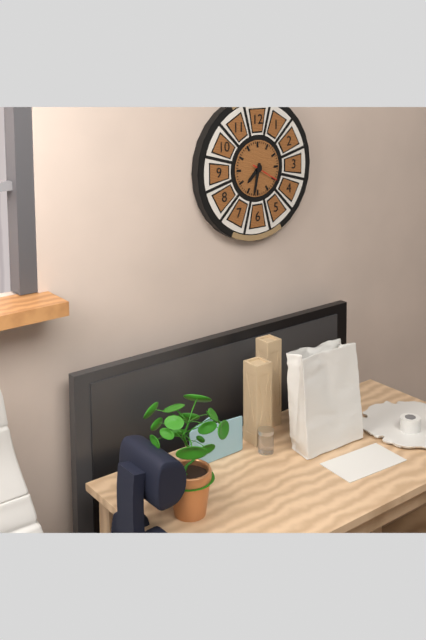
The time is {"hour": 7, "minute": 32}
